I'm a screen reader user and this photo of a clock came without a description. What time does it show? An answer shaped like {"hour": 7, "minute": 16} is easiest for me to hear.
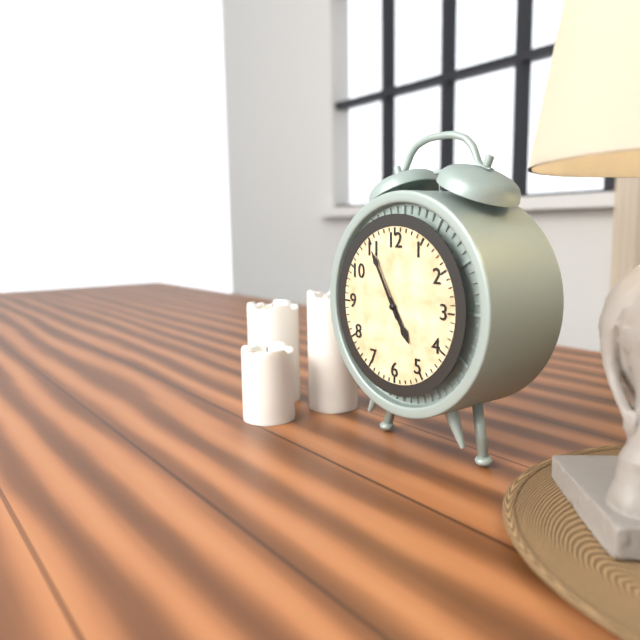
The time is {"hour": 4, "minute": 55}
